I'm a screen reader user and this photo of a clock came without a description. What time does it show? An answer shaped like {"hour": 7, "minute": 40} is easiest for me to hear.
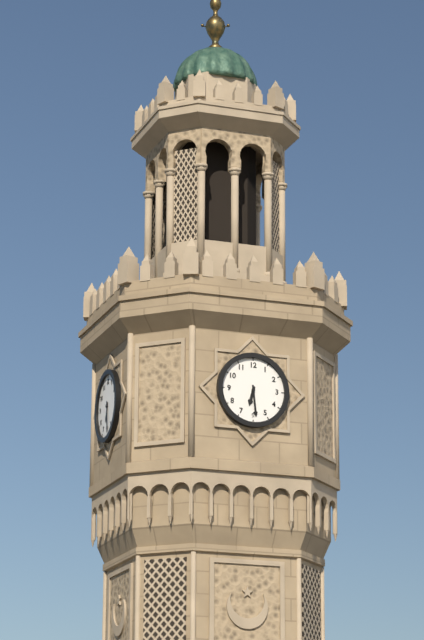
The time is {"hour": 6, "minute": 29}
